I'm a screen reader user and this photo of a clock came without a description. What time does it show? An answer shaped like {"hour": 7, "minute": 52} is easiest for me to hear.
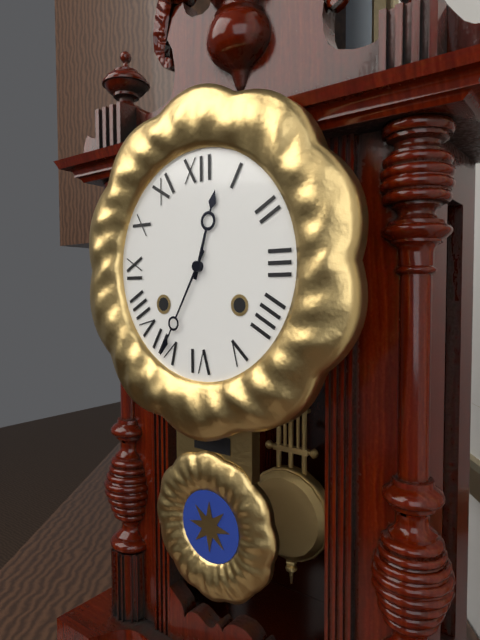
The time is {"hour": 12, "minute": 35}
